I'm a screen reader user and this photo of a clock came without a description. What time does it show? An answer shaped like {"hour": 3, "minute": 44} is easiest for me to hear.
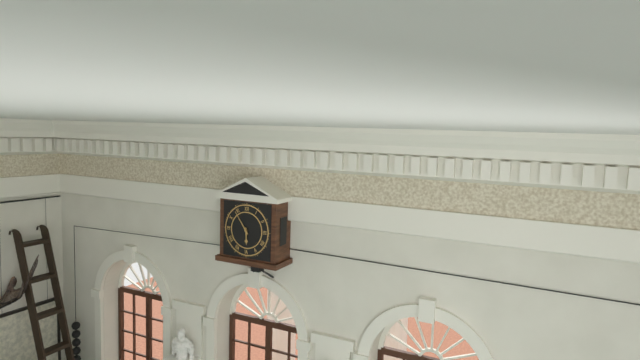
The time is {"hour": 5, "minute": 54}
